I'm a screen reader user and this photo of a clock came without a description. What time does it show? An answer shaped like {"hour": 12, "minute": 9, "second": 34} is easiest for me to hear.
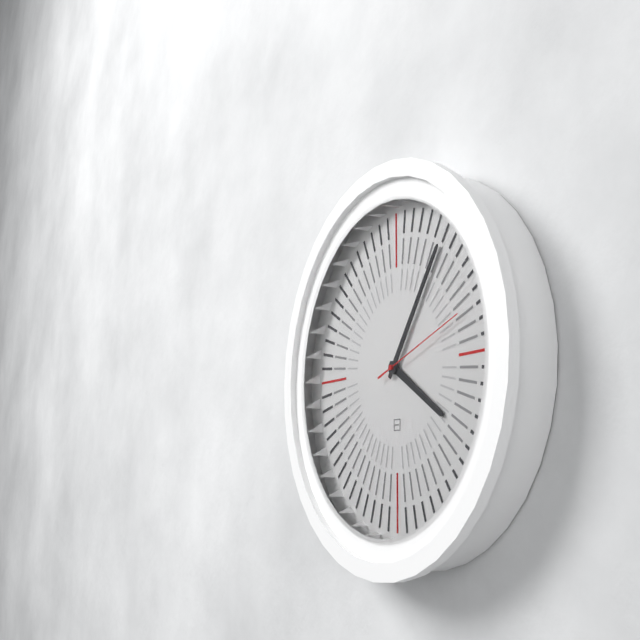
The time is {"hour": 4, "minute": 6, "second": 12}
